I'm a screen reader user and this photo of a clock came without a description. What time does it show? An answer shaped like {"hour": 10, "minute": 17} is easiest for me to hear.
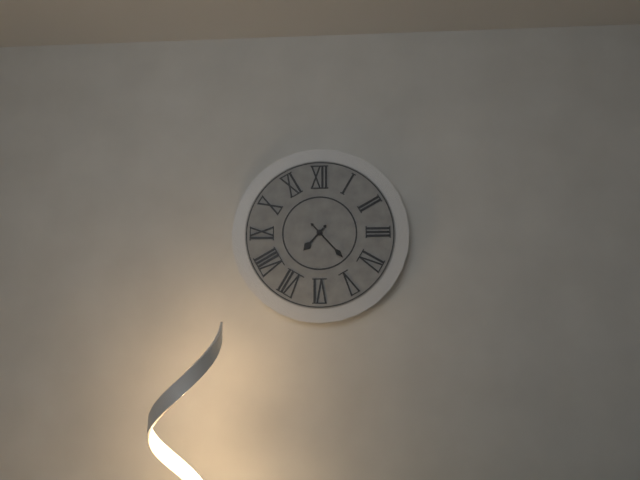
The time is {"hour": 7, "minute": 23}
